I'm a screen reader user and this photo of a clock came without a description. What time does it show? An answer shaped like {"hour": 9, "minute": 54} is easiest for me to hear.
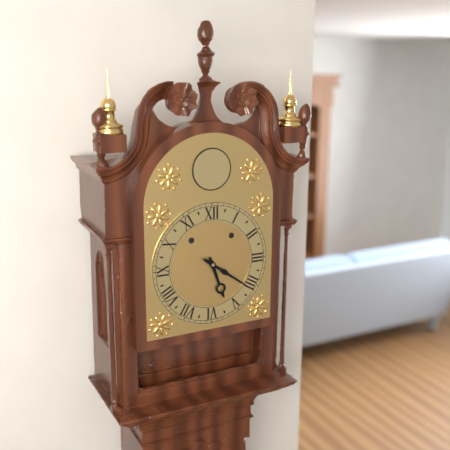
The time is {"hour": 5, "minute": 21}
